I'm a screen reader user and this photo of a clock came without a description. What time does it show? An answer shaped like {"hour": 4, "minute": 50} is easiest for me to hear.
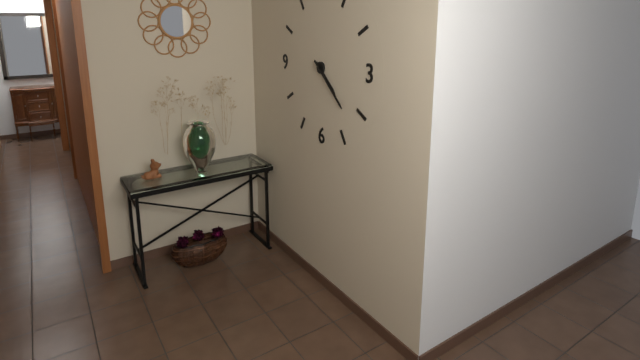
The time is {"hour": 4, "minute": 22}
